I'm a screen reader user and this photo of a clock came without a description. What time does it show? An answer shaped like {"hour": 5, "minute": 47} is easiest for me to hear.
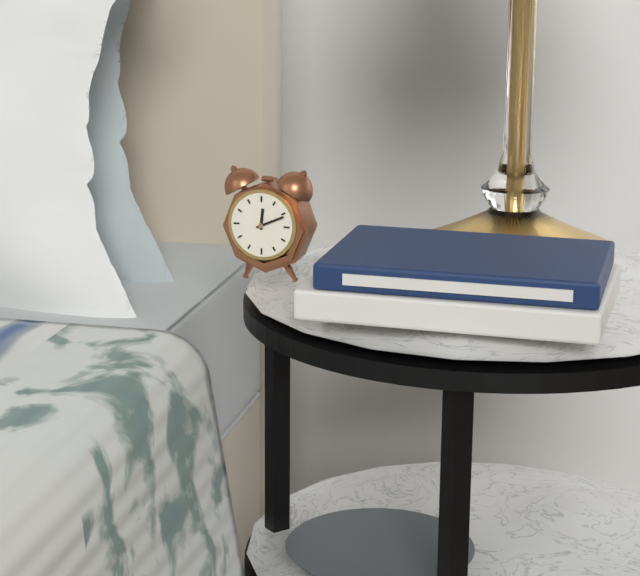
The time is {"hour": 12, "minute": 11}
